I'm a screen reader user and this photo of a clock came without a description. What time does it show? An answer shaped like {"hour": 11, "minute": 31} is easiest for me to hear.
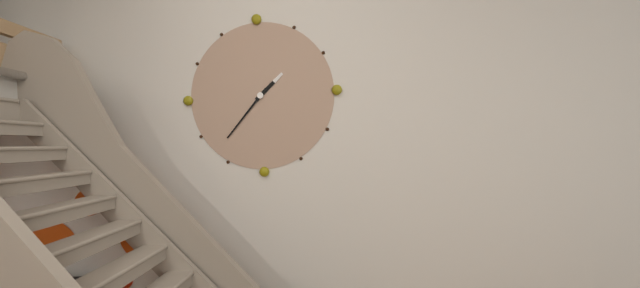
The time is {"hour": 1, "minute": 37}
